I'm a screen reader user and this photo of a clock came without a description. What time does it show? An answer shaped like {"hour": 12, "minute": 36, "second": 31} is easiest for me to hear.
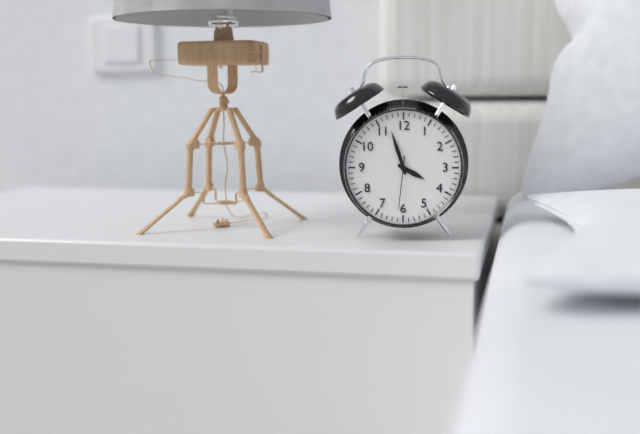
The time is {"hour": 3, "minute": 57, "second": 31}
